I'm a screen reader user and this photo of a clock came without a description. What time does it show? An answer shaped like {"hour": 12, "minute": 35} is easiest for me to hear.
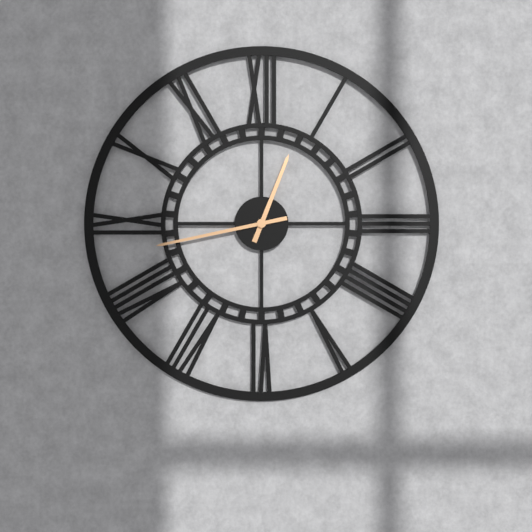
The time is {"hour": 12, "minute": 43}
